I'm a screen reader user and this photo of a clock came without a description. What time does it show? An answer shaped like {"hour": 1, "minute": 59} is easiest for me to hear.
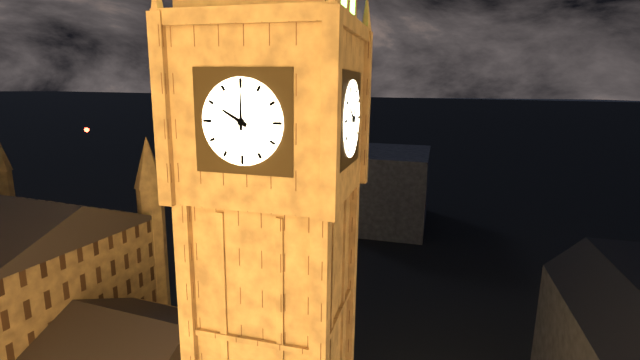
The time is {"hour": 10, "minute": 0}
